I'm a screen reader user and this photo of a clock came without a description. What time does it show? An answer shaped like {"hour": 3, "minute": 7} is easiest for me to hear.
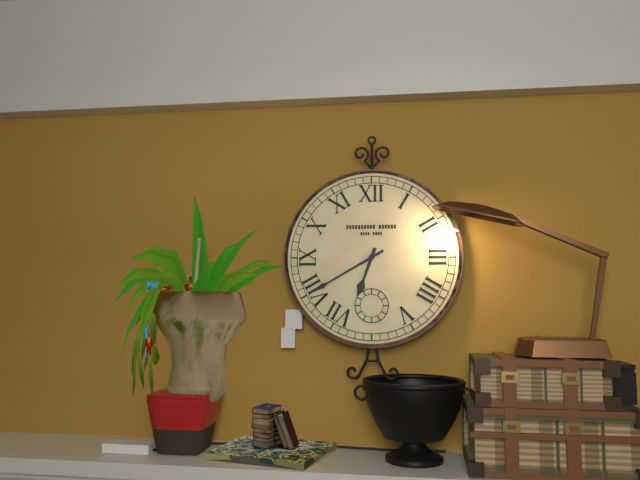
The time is {"hour": 6, "minute": 40}
